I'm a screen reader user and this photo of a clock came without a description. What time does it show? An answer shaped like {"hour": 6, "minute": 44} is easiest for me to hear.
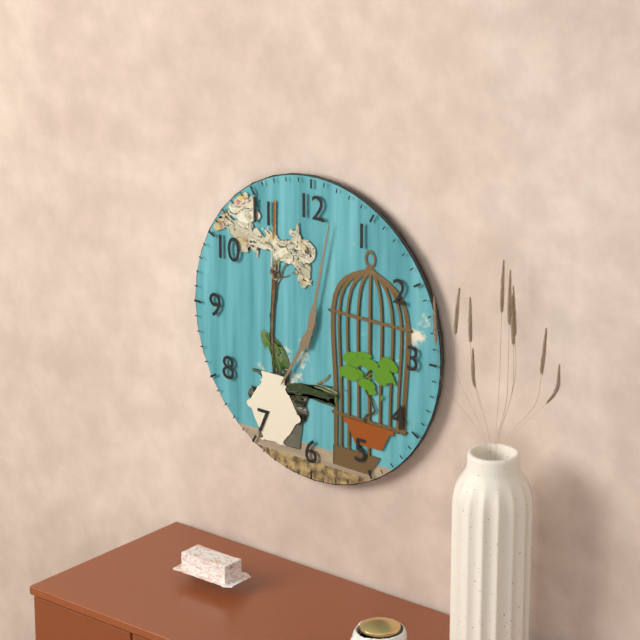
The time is {"hour": 7, "minute": 2}
